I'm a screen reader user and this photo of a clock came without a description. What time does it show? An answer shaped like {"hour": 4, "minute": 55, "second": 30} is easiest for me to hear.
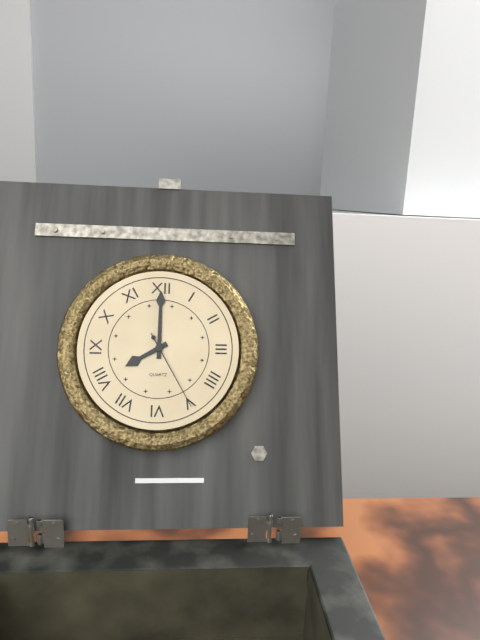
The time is {"hour": 8, "minute": 0, "second": 25}
